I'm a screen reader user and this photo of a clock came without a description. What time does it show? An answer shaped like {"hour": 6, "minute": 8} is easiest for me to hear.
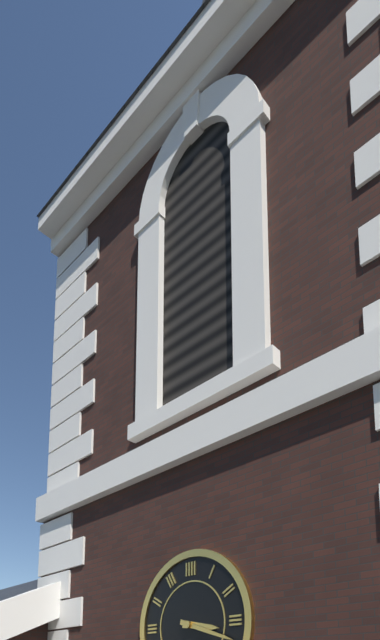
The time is {"hour": 3, "minute": 18}
